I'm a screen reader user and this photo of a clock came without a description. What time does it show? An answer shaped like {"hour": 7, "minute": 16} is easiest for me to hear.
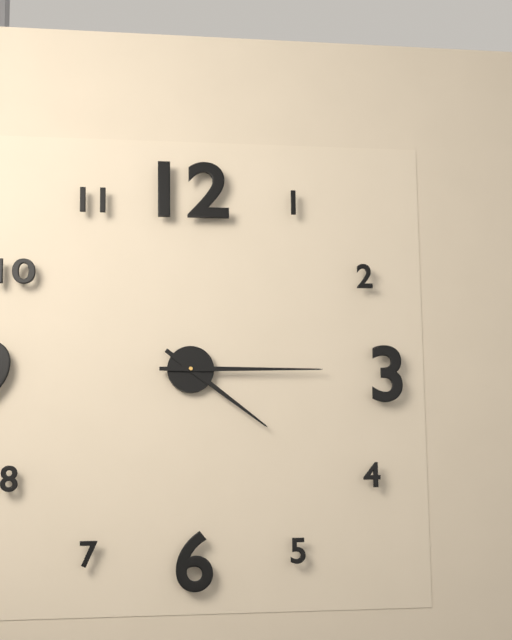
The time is {"hour": 4, "minute": 15}
